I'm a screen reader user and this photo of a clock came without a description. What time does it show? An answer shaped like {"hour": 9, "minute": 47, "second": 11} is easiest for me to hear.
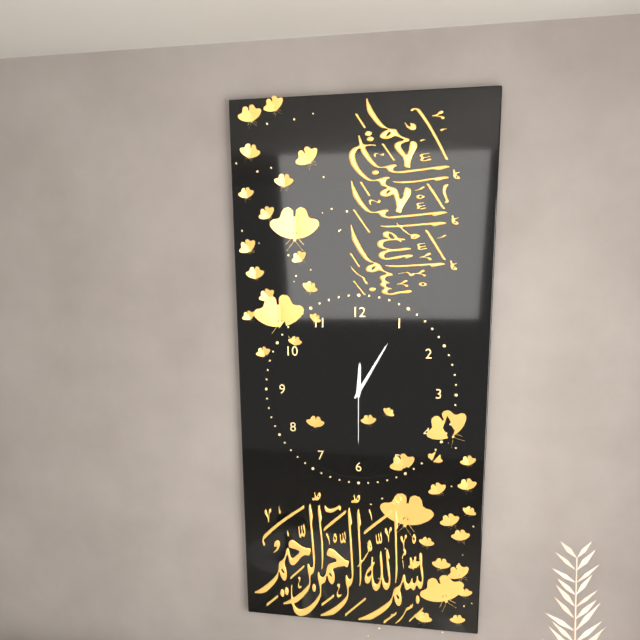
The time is {"hour": 12, "minute": 5, "second": 30}
